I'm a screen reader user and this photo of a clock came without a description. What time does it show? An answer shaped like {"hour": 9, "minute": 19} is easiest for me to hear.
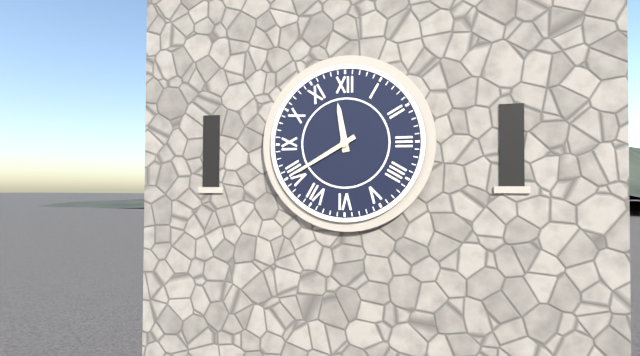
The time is {"hour": 11, "minute": 40}
